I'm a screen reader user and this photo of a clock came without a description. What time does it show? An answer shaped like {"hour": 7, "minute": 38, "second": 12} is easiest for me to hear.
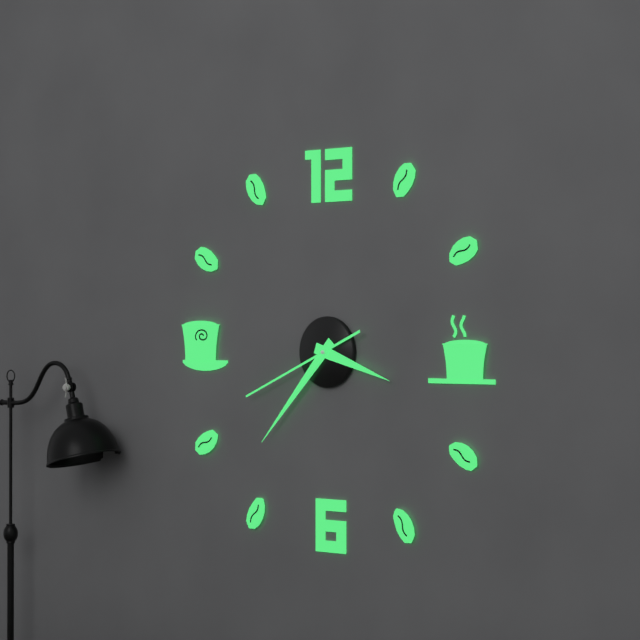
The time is {"hour": 3, "minute": 37, "second": 41}
